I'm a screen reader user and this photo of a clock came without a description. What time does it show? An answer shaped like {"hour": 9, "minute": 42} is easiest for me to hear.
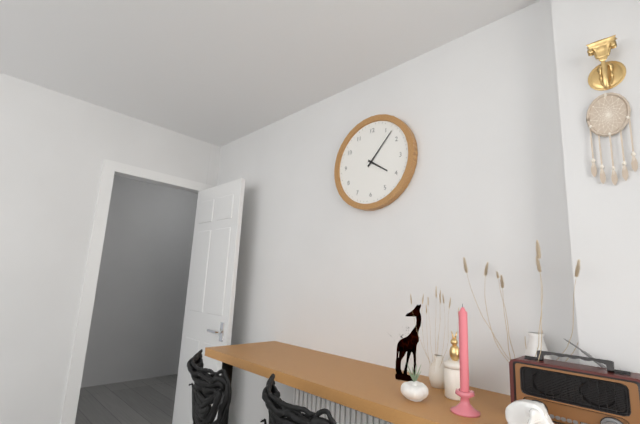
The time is {"hour": 4, "minute": 7}
